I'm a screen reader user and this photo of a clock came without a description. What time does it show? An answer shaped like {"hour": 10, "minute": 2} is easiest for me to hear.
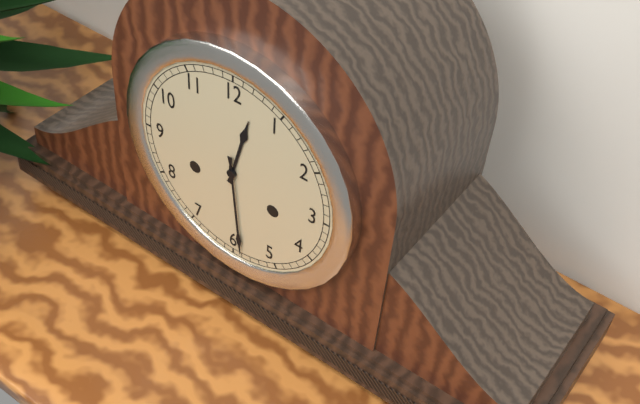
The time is {"hour": 12, "minute": 29}
